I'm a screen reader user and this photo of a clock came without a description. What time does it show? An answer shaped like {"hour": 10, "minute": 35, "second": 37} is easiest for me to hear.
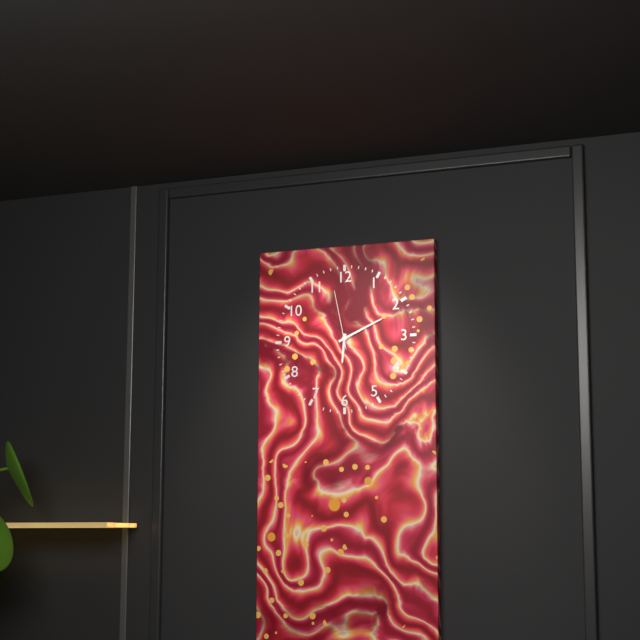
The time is {"hour": 6, "minute": 11, "second": 58}
